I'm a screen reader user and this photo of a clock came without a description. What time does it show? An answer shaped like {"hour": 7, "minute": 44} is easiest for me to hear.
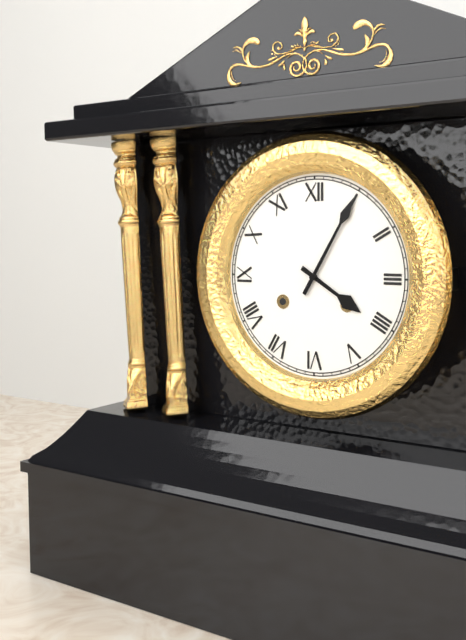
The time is {"hour": 4, "minute": 5}
